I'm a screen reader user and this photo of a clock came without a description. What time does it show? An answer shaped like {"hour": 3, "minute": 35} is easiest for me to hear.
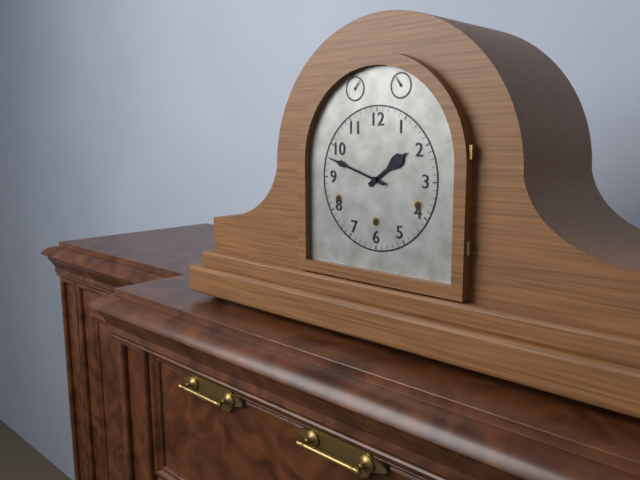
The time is {"hour": 1, "minute": 48}
